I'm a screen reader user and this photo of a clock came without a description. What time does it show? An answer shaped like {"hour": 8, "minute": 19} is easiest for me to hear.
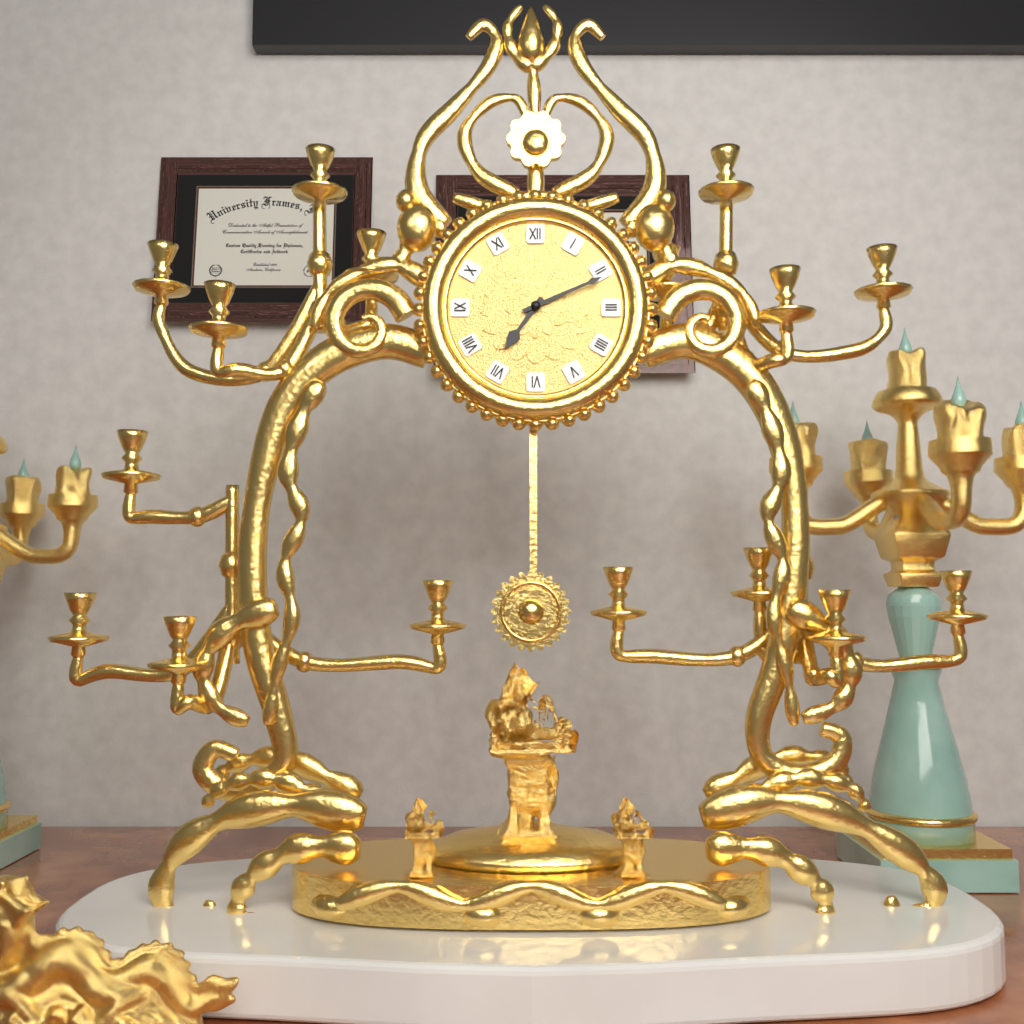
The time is {"hour": 7, "minute": 11}
